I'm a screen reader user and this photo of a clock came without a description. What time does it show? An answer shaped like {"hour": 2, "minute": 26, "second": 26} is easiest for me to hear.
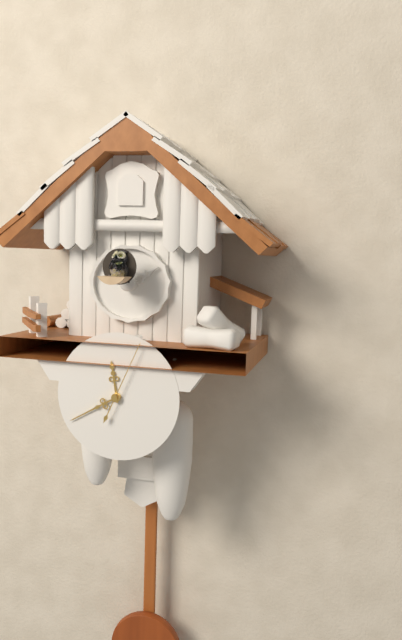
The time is {"hour": 11, "minute": 40, "second": 4}
